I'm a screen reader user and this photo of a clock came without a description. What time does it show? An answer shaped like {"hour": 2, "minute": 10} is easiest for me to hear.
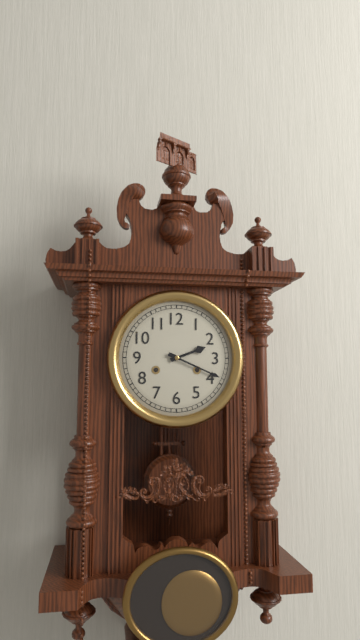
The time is {"hour": 2, "minute": 19}
